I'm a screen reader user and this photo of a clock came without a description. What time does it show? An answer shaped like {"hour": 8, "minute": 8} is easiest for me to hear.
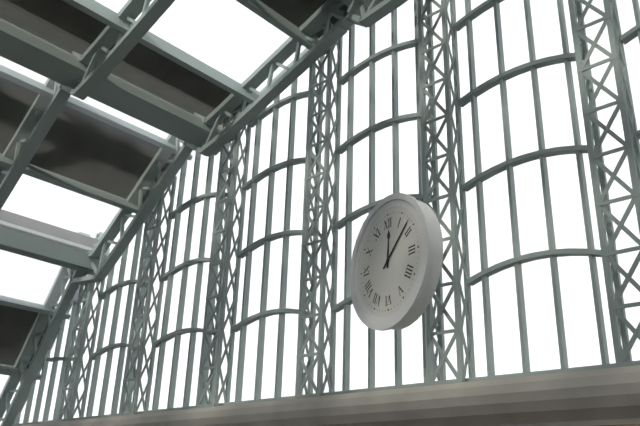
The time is {"hour": 12, "minute": 8}
